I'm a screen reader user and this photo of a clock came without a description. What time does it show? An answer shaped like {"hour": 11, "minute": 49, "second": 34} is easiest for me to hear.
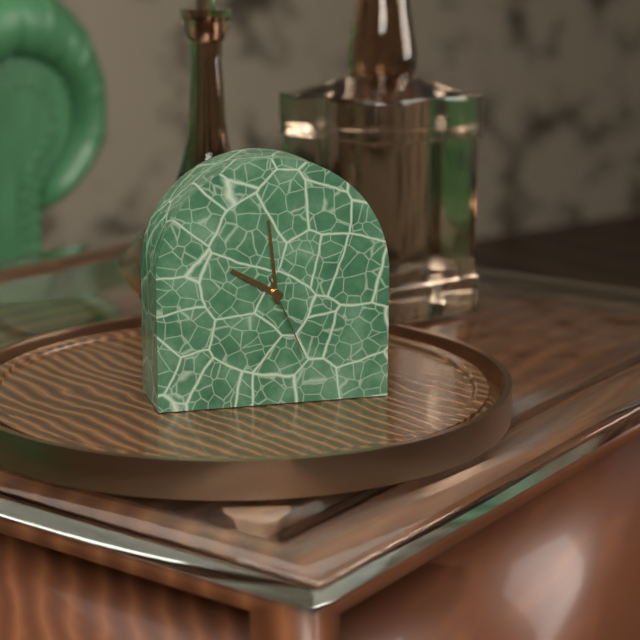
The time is {"hour": 9, "minute": 59, "second": 26}
